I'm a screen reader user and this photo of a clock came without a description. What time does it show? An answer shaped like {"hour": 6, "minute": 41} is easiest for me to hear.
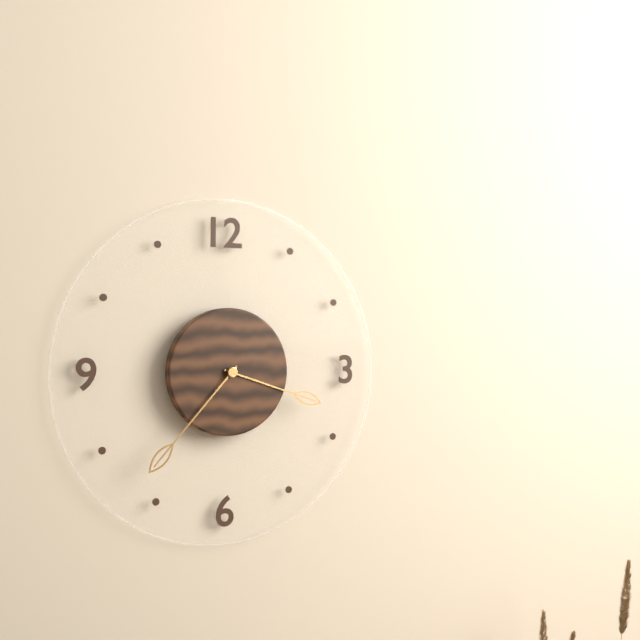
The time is {"hour": 3, "minute": 37}
